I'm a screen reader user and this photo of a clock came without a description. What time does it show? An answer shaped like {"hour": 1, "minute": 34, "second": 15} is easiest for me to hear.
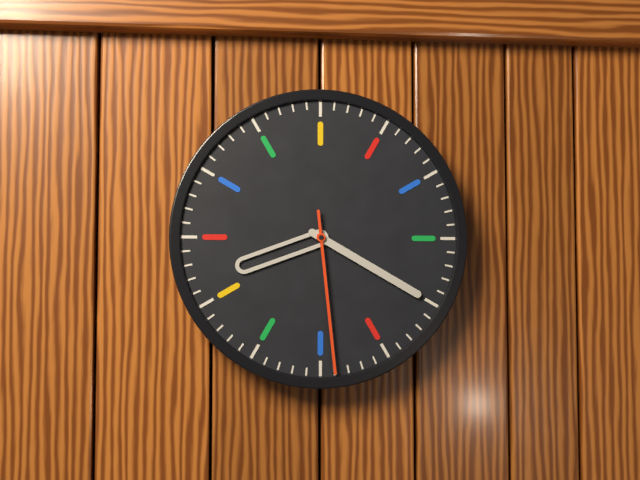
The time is {"hour": 8, "minute": 20, "second": 29}
